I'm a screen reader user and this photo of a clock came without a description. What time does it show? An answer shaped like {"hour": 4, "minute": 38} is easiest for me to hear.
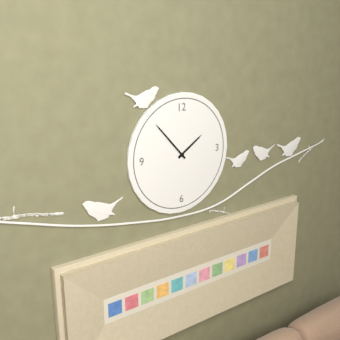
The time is {"hour": 1, "minute": 53}
